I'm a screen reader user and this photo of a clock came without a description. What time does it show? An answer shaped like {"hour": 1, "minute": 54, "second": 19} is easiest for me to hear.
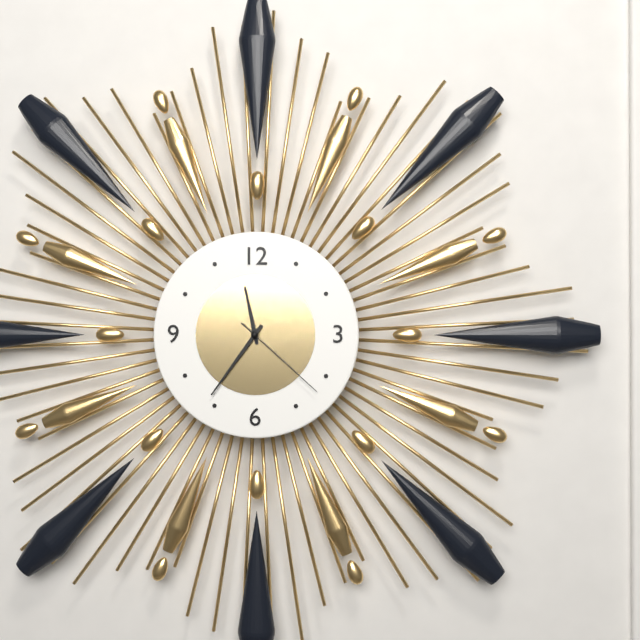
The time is {"hour": 11, "minute": 36, "second": 22}
